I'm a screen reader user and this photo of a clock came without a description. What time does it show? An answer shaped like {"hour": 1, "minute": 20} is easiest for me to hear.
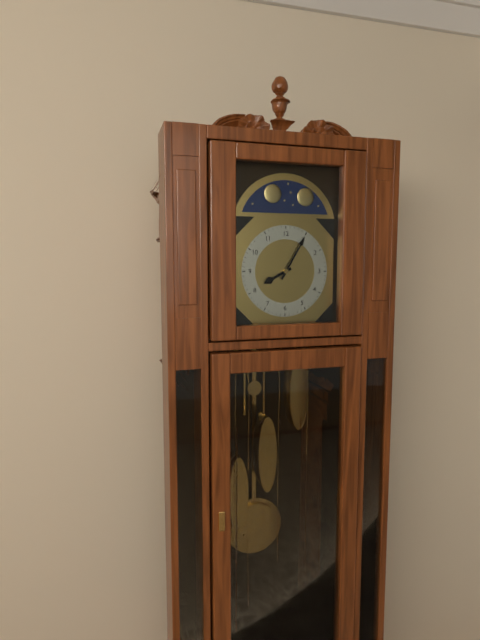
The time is {"hour": 8, "minute": 5}
